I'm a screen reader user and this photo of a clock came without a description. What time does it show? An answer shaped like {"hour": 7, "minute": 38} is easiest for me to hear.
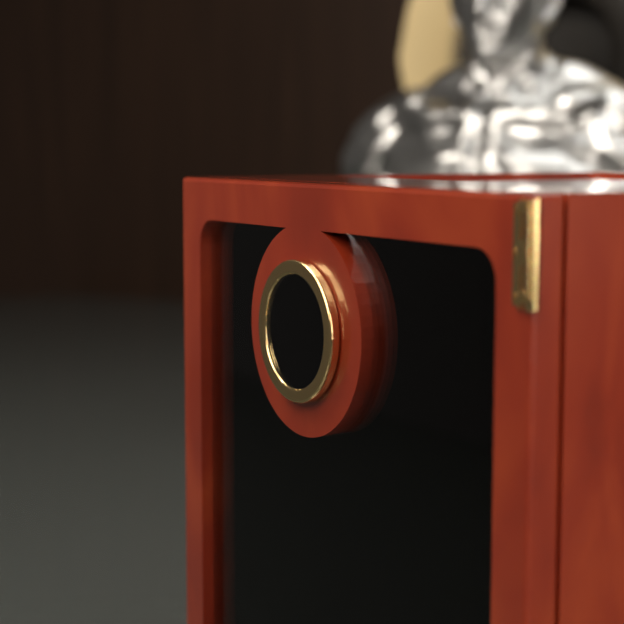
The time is {"hour": 12, "minute": 10}
